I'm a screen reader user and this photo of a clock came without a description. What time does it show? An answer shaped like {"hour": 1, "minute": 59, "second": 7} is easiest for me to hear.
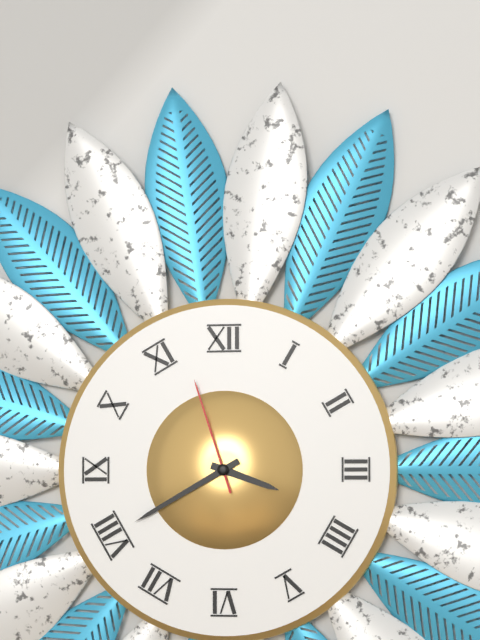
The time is {"hour": 3, "minute": 40, "second": 57}
